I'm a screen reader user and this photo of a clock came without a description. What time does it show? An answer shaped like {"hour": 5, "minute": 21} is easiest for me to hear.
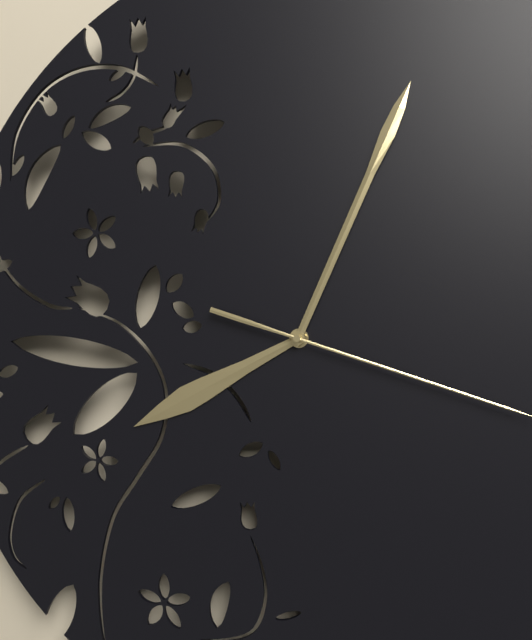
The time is {"hour": 8, "minute": 4}
